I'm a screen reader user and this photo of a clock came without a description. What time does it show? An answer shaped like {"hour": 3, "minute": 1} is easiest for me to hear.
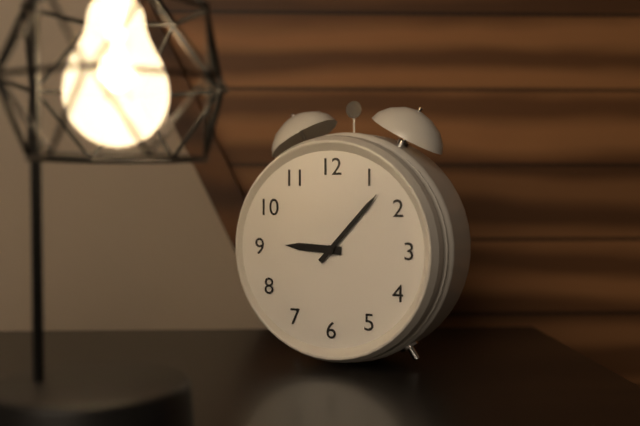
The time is {"hour": 9, "minute": 7}
